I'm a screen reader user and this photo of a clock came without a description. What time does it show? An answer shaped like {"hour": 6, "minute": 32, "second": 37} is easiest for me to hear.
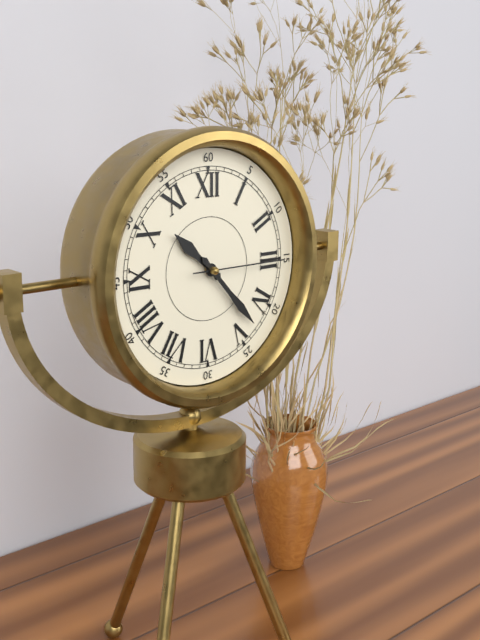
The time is {"hour": 10, "minute": 23, "second": 15}
